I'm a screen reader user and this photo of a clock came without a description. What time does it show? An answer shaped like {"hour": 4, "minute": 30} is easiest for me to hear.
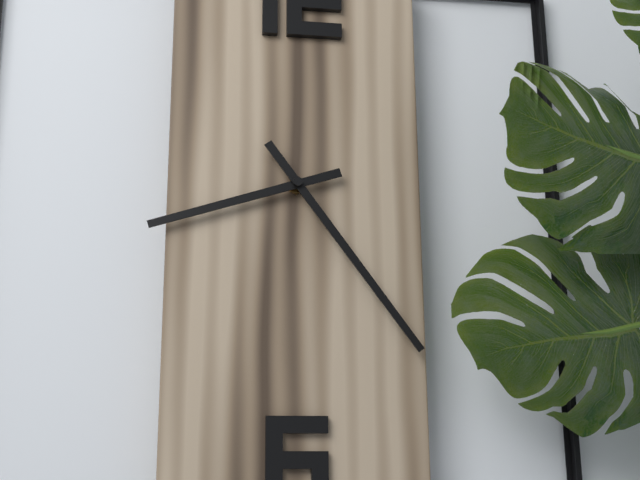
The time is {"hour": 8, "minute": 24}
